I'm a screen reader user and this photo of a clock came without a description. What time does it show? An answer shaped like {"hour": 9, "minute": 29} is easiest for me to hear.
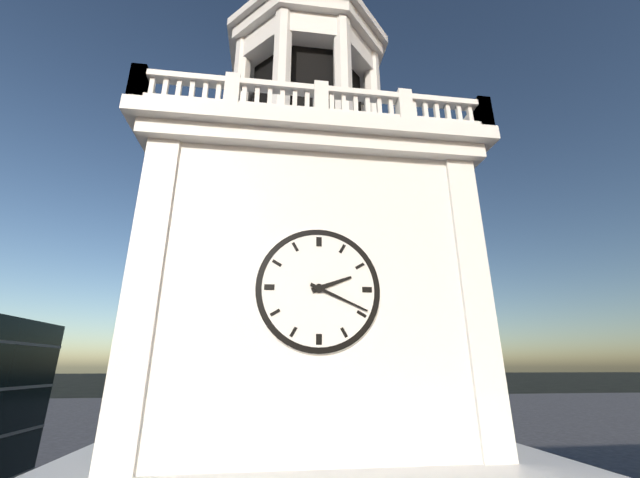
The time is {"hour": 2, "minute": 19}
